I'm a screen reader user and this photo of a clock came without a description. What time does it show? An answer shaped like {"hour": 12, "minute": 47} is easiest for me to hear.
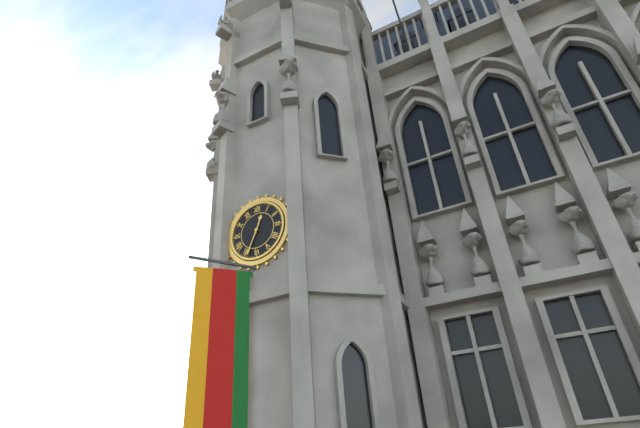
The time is {"hour": 12, "minute": 34}
